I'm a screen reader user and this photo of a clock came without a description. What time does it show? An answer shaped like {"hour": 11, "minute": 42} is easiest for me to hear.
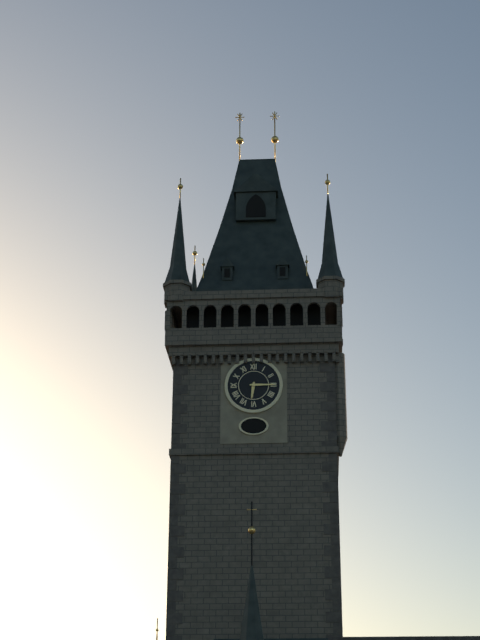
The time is {"hour": 6, "minute": 15}
